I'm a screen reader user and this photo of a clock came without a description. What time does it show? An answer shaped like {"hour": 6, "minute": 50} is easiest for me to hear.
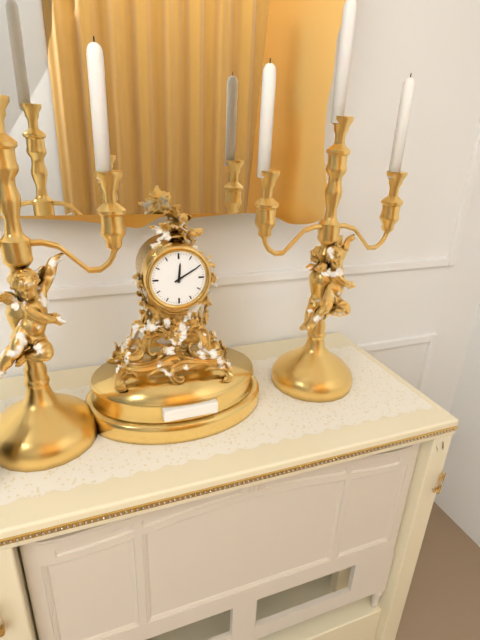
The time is {"hour": 12, "minute": 10}
